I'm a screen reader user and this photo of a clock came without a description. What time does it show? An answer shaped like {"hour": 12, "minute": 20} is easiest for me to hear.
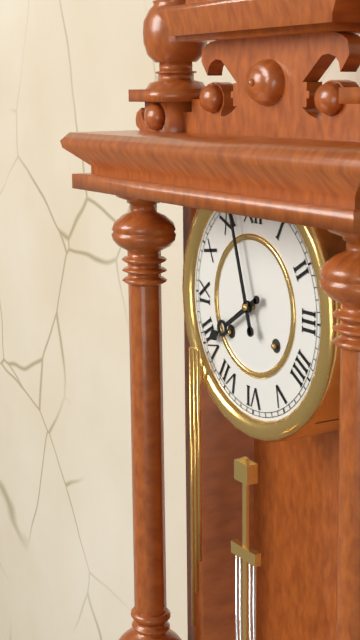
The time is {"hour": 7, "minute": 57}
